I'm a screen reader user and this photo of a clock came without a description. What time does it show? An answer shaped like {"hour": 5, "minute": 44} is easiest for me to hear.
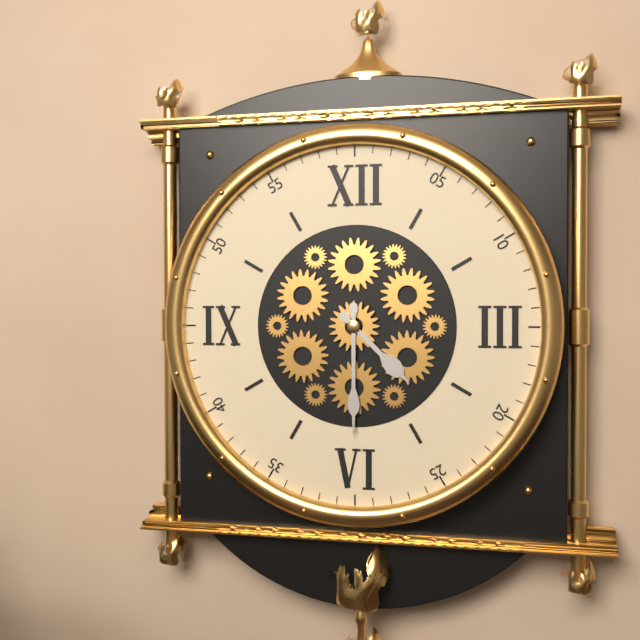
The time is {"hour": 4, "minute": 30}
